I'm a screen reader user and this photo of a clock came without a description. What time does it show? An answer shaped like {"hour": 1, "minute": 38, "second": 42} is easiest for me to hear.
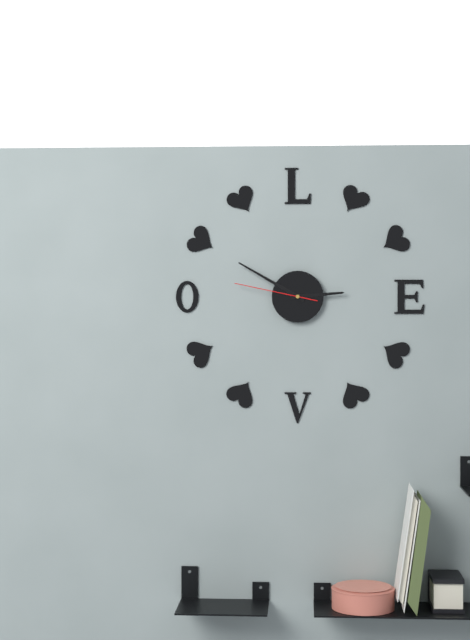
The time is {"hour": 2, "minute": 50, "second": 47}
